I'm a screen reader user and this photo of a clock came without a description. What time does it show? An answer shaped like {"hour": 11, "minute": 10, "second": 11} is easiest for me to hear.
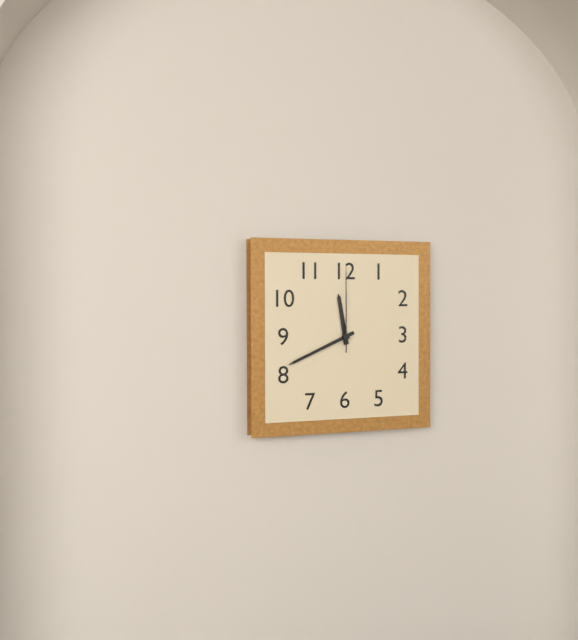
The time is {"hour": 11, "minute": 41, "second": 0}
